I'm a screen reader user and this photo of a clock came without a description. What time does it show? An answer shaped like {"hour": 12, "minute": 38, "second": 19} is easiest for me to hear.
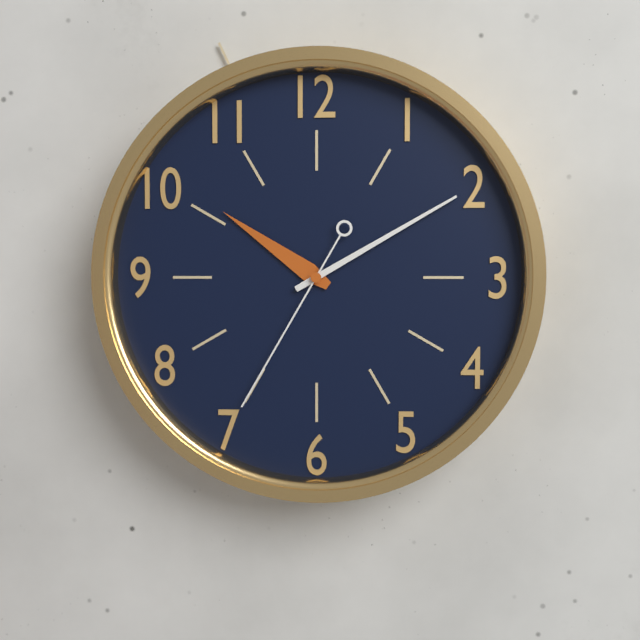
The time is {"hour": 10, "minute": 10, "second": 35}
